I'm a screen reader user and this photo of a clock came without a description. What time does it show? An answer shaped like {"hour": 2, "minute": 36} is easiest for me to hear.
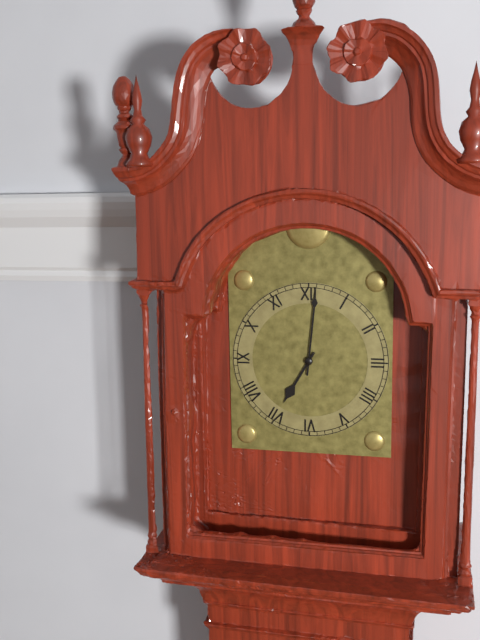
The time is {"hour": 7, "minute": 1}
